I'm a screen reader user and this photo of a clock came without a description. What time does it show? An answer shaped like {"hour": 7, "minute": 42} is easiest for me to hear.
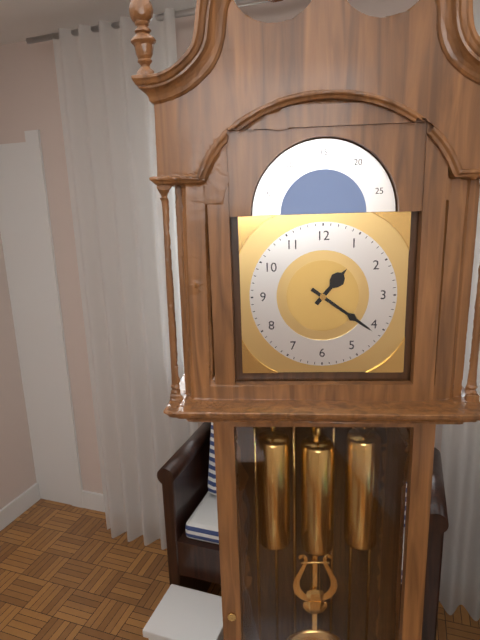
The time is {"hour": 1, "minute": 21}
